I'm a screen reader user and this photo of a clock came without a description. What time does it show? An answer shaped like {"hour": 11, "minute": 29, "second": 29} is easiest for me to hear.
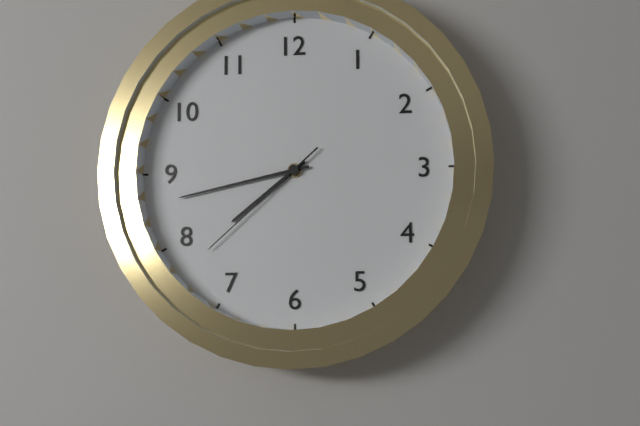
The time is {"hour": 7, "minute": 43, "second": 38}
